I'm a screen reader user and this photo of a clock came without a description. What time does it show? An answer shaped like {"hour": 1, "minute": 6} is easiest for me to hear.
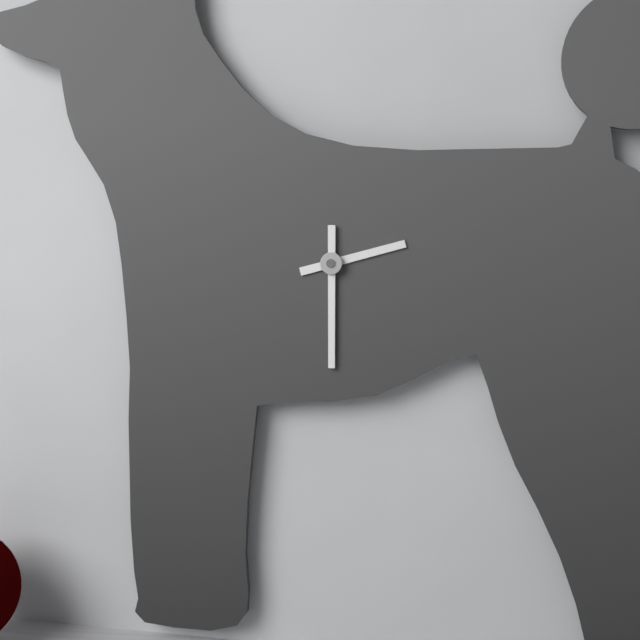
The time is {"hour": 2, "minute": 30}
